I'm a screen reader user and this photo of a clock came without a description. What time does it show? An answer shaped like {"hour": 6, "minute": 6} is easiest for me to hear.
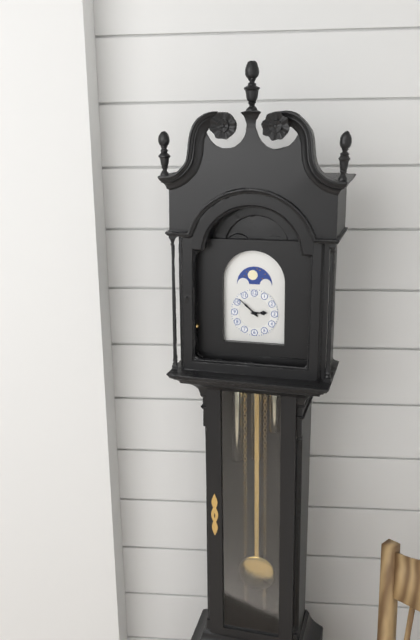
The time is {"hour": 2, "minute": 52}
